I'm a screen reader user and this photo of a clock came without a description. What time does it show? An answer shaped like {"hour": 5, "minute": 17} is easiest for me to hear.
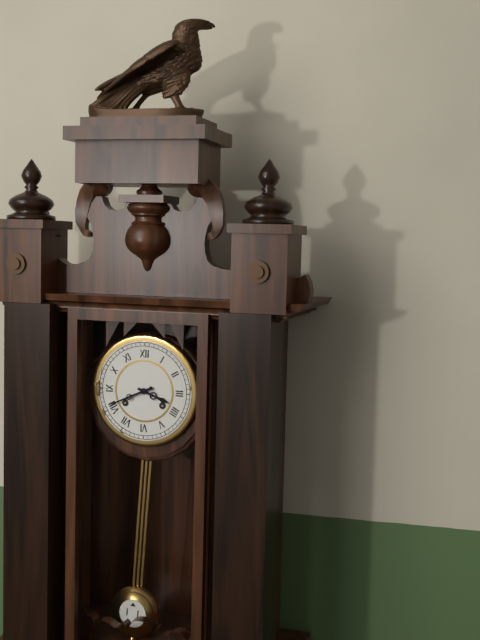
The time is {"hour": 3, "minute": 41}
